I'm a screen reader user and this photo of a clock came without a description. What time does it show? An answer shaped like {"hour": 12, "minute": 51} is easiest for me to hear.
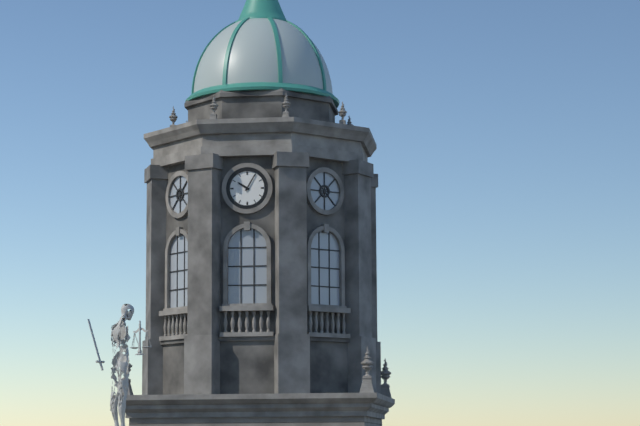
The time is {"hour": 10, "minute": 5}
